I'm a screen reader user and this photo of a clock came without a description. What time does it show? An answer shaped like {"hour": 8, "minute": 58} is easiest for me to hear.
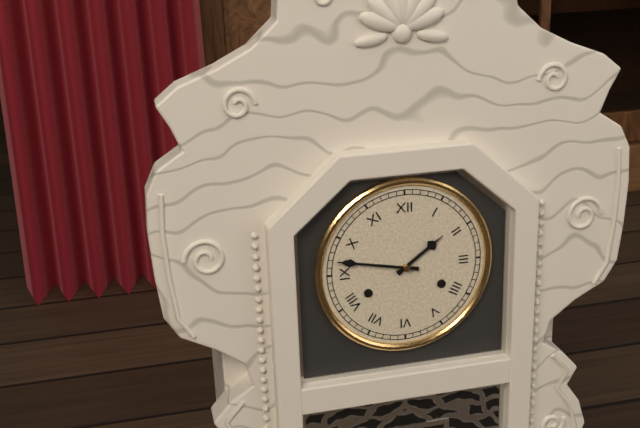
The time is {"hour": 1, "minute": 47}
